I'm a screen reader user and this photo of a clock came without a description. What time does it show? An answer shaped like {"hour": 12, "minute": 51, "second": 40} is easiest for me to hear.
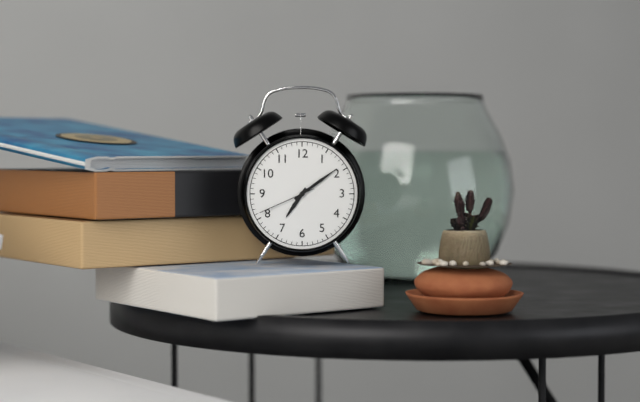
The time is {"hour": 7, "minute": 9, "second": 41}
